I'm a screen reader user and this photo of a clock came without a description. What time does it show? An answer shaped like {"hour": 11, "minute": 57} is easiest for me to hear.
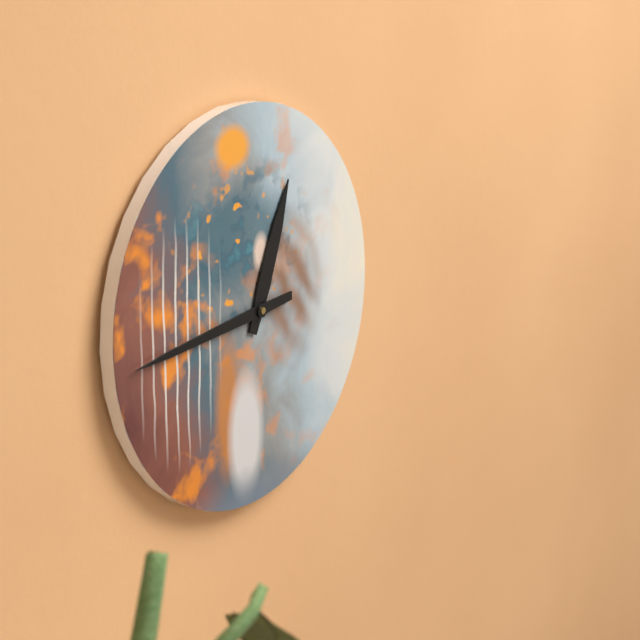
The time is {"hour": 12, "minute": 44}
